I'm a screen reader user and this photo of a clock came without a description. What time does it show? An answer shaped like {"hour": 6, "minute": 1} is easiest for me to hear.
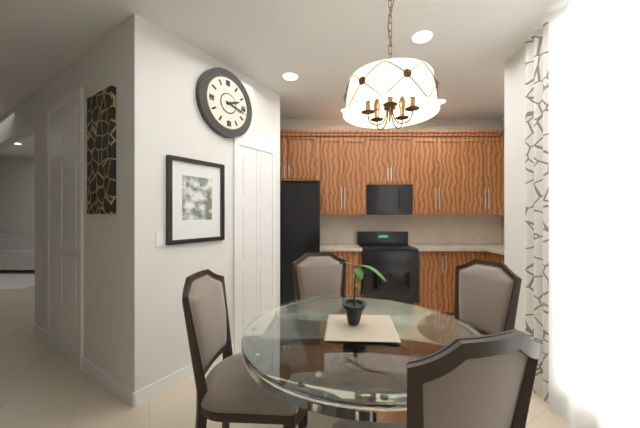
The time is {"hour": 2, "minute": 17}
